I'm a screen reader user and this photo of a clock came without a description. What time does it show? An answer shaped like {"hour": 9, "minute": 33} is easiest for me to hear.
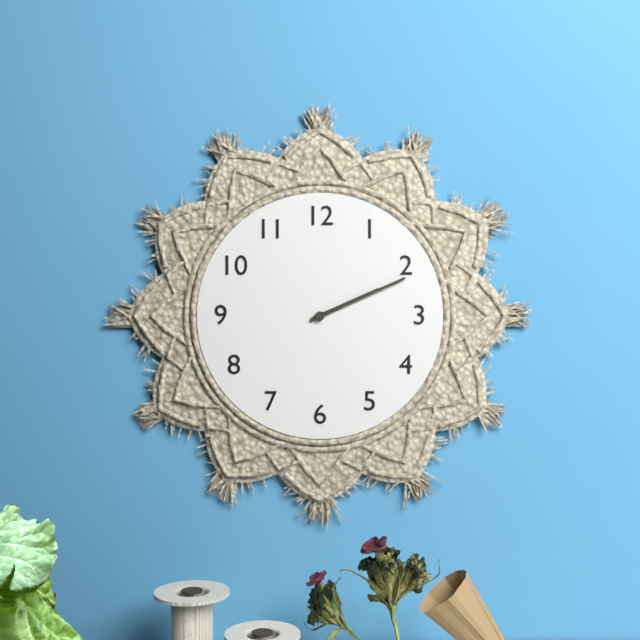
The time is {"hour": 2, "minute": 11}
